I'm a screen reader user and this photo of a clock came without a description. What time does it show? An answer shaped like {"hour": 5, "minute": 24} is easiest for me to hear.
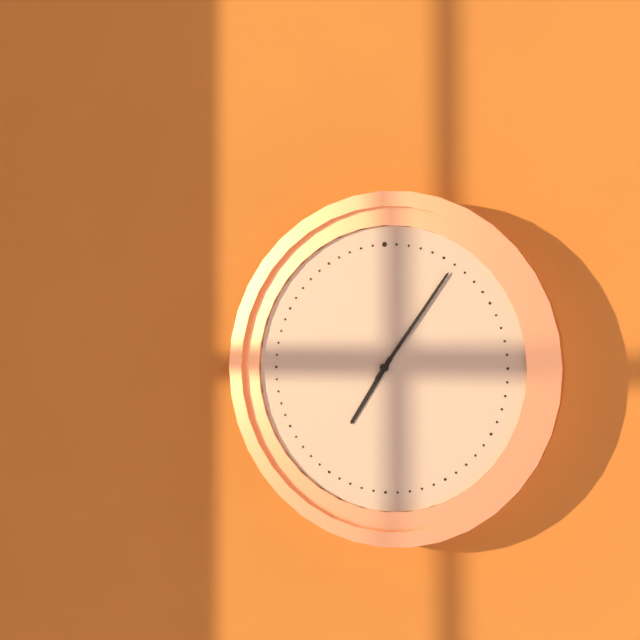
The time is {"hour": 7, "minute": 6}
